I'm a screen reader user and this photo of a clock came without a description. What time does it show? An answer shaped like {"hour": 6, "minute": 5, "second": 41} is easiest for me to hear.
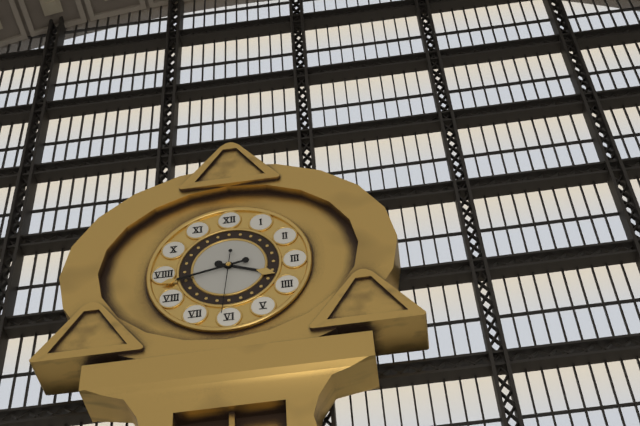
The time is {"hour": 3, "minute": 43, "second": 31}
